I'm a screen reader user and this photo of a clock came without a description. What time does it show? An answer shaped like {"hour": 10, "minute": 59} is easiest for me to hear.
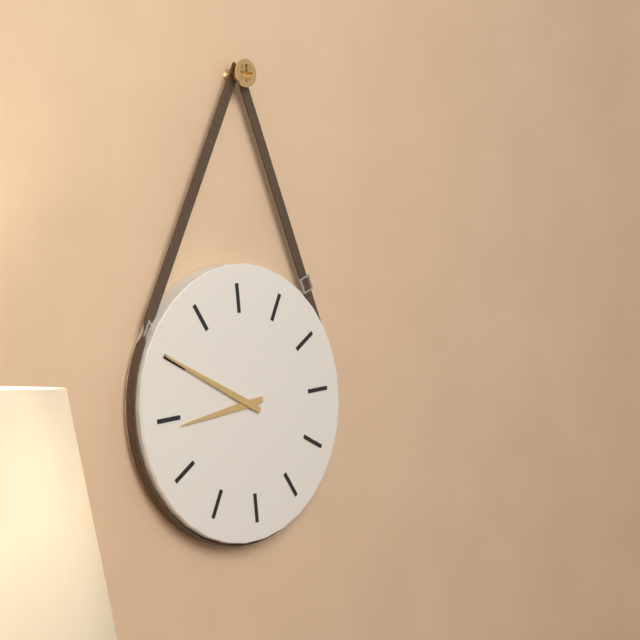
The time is {"hour": 8, "minute": 50}
